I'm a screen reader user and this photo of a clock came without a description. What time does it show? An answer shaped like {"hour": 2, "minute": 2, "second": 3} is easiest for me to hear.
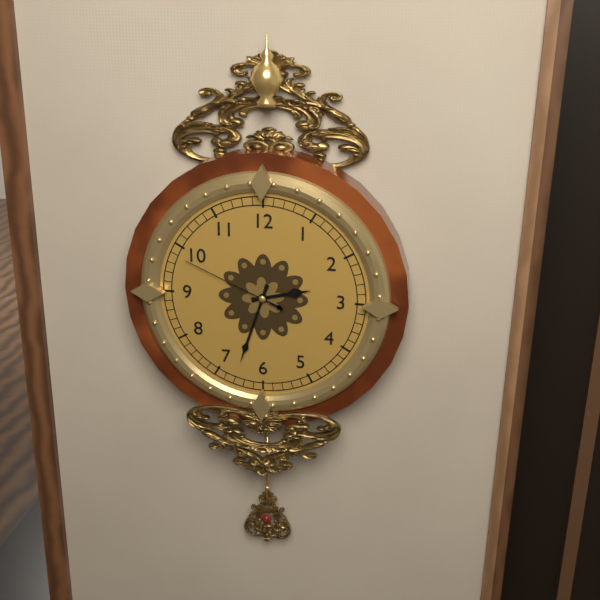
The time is {"hour": 2, "minute": 33, "second": 49}
